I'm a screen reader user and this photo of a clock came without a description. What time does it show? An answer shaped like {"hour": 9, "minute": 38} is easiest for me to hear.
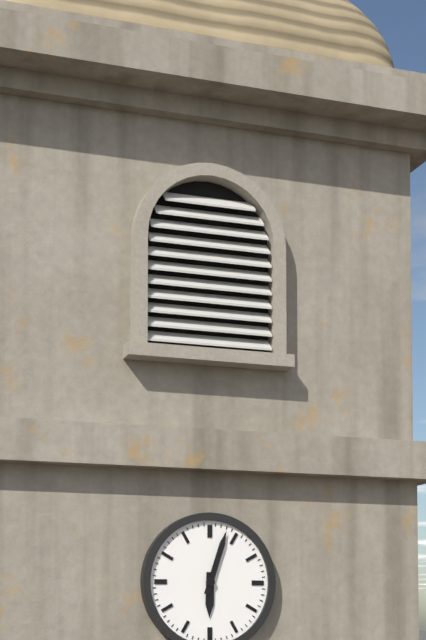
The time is {"hour": 6, "minute": 3}
